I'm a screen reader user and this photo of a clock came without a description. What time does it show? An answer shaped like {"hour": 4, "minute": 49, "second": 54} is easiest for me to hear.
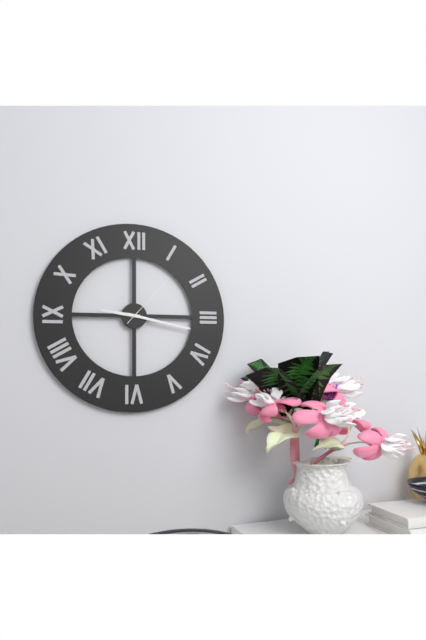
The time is {"hour": 9, "minute": 17, "second": 7}
